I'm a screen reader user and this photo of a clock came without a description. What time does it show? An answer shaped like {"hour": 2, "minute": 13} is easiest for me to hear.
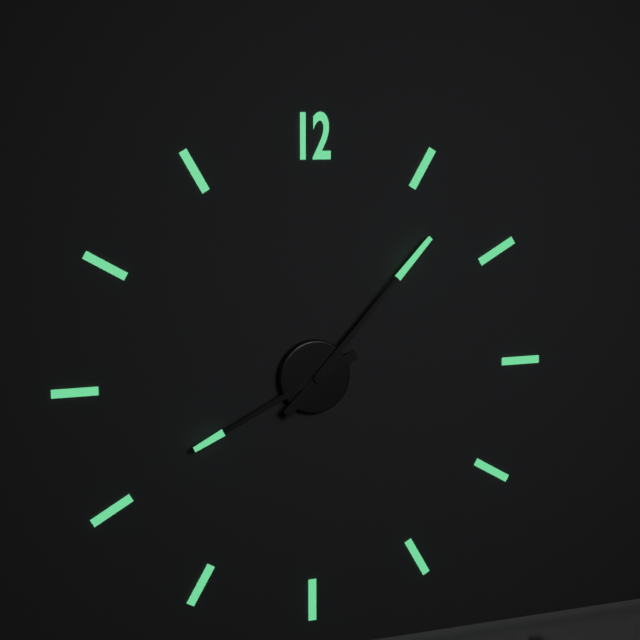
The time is {"hour": 8, "minute": 7}
